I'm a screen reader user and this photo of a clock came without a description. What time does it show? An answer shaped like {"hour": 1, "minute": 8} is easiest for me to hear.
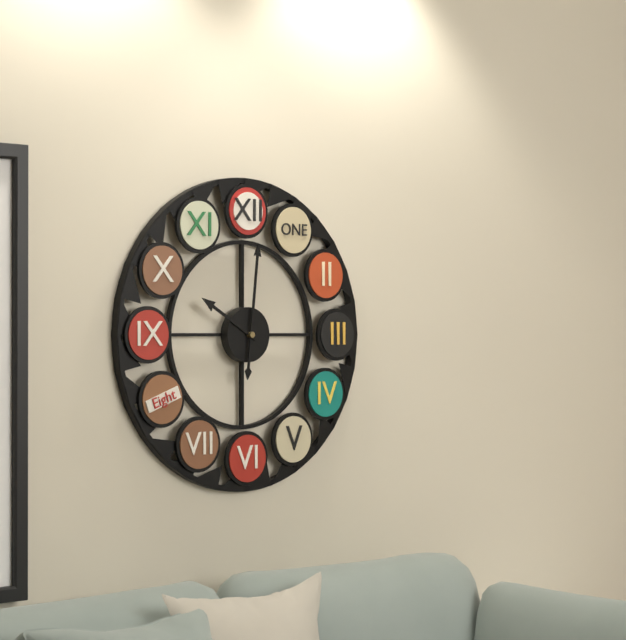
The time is {"hour": 10, "minute": 1}
